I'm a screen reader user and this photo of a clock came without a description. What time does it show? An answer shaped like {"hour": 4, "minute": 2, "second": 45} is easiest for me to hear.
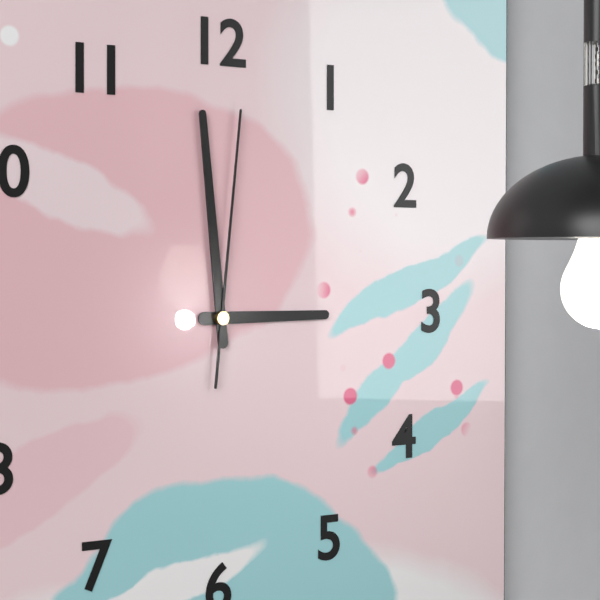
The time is {"hour": 2, "minute": 59, "second": 1}
